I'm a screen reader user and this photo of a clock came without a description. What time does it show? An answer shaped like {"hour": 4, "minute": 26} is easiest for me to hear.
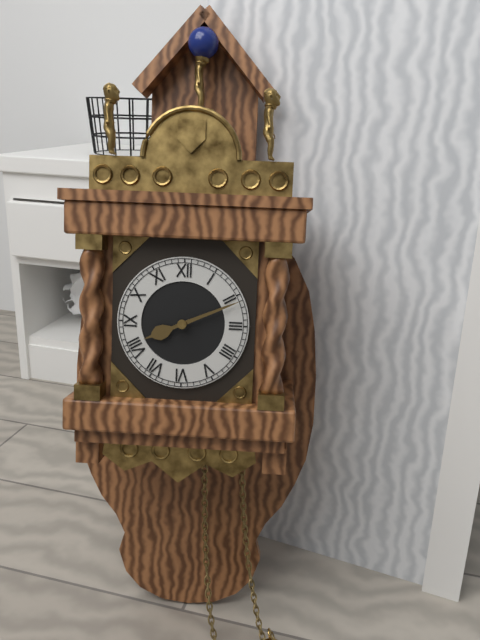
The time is {"hour": 8, "minute": 11}
